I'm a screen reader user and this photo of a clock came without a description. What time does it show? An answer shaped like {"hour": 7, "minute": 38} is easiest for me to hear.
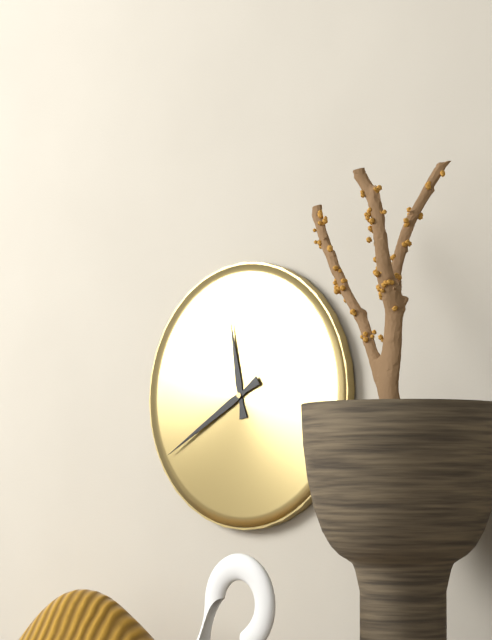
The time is {"hour": 11, "minute": 40}
